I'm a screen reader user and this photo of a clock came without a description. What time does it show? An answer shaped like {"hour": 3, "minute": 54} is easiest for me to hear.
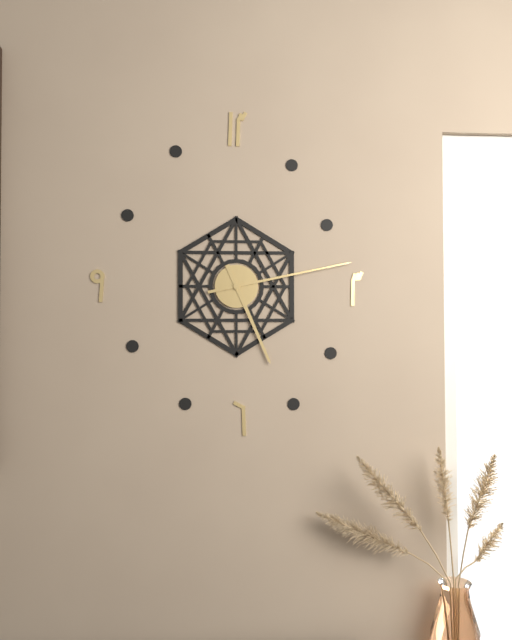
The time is {"hour": 5, "minute": 13}
